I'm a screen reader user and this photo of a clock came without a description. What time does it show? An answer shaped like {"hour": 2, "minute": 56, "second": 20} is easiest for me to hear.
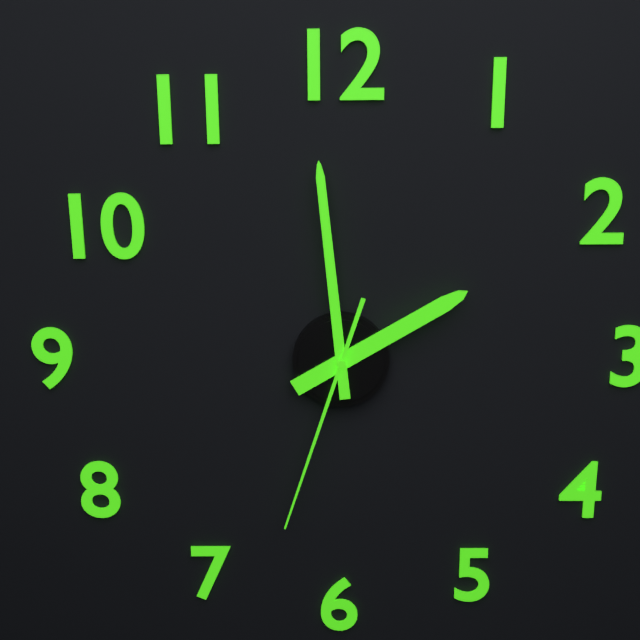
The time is {"hour": 1, "minute": 59, "second": 33}
